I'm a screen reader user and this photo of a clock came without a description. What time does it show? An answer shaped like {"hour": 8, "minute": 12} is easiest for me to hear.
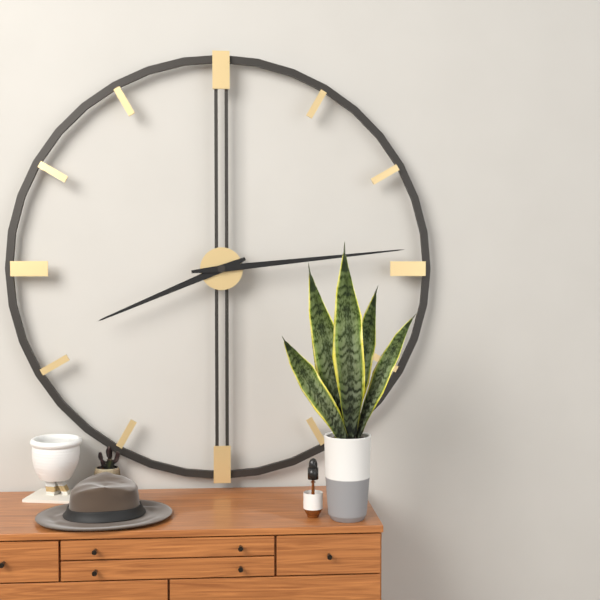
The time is {"hour": 8, "minute": 14}
